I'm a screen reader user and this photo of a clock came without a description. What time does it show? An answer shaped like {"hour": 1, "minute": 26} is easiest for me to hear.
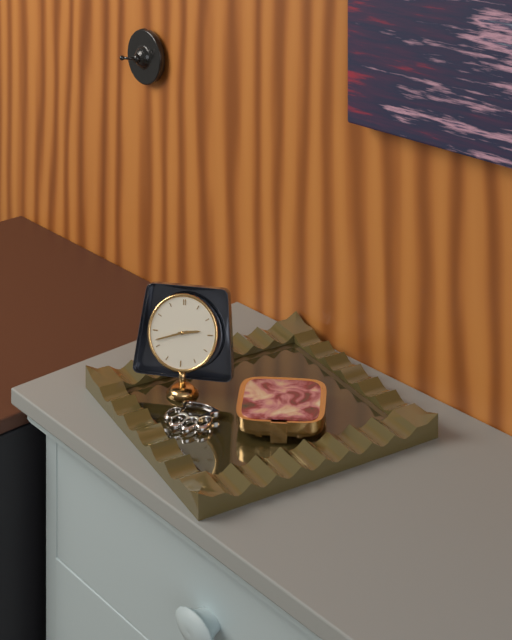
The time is {"hour": 2, "minute": 42}
